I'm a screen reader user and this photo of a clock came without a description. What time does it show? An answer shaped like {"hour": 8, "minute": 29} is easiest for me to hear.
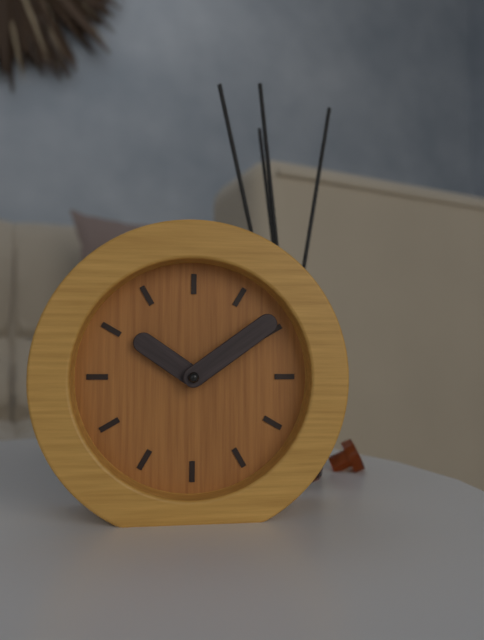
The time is {"hour": 10, "minute": 9}
